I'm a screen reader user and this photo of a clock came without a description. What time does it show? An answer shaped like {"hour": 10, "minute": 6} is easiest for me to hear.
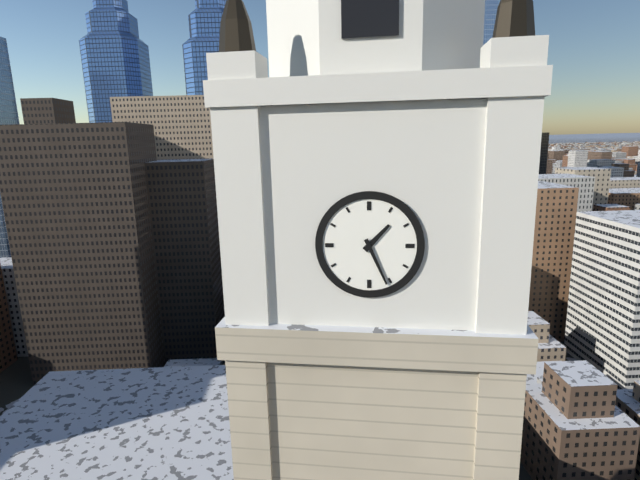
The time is {"hour": 1, "minute": 26}
